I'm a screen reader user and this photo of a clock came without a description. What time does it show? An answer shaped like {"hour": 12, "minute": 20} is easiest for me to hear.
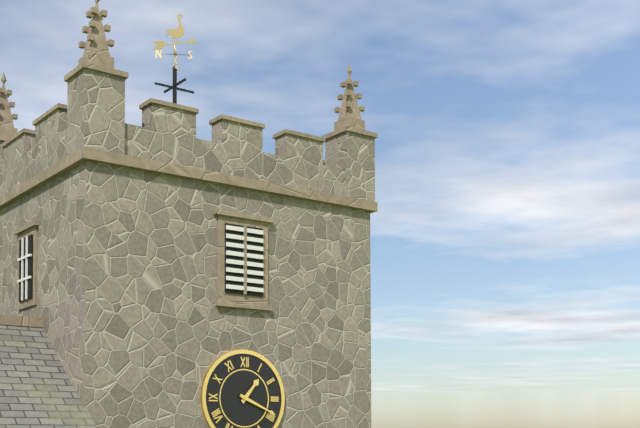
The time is {"hour": 1, "minute": 19}
